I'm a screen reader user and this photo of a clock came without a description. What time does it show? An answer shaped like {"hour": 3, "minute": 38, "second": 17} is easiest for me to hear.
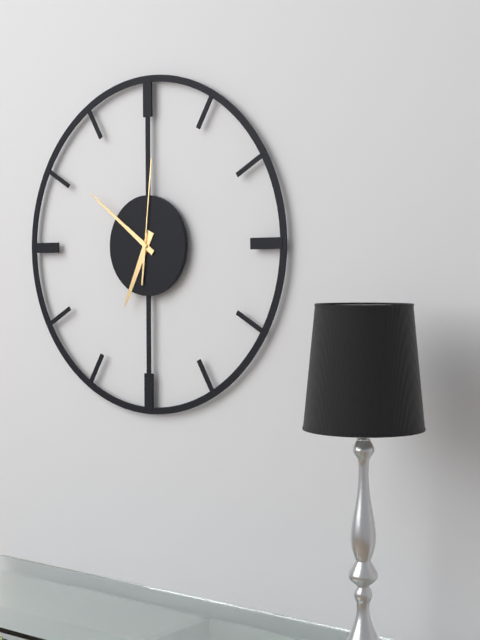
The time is {"hour": 6, "minute": 51, "second": 1}
